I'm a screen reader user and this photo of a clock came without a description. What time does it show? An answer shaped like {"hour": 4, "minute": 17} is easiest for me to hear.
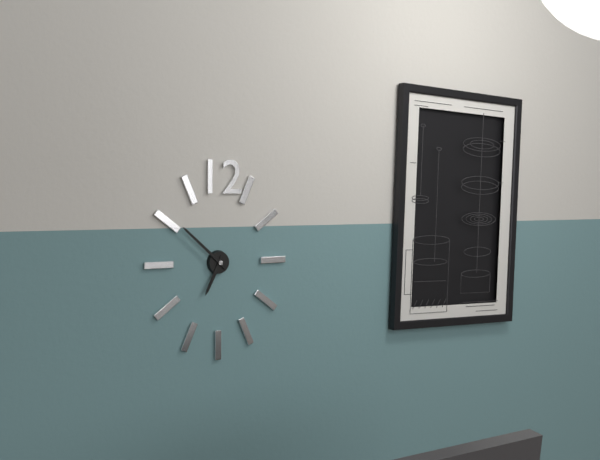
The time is {"hour": 6, "minute": 52}
